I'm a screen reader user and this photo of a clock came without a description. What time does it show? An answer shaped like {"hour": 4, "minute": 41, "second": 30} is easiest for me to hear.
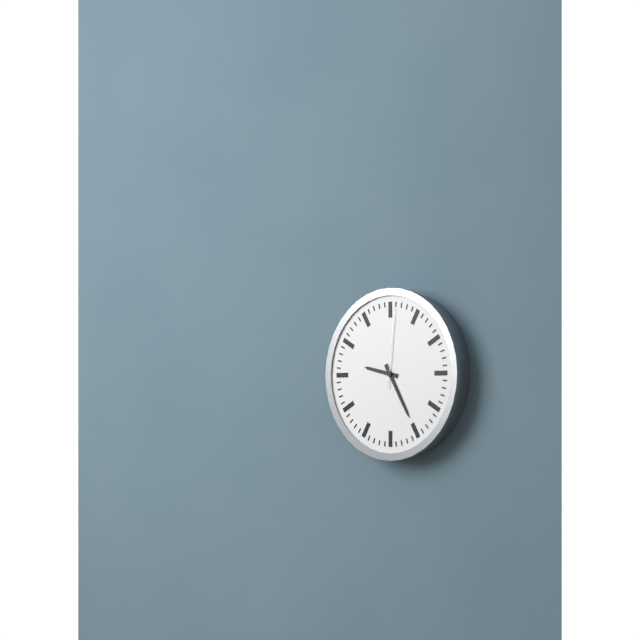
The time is {"hour": 9, "minute": 25, "second": 1}
